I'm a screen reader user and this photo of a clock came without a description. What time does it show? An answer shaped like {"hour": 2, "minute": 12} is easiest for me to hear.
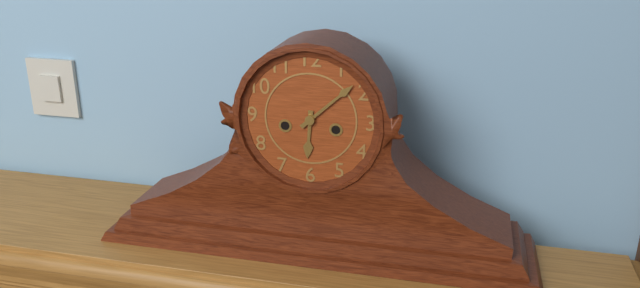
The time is {"hour": 6, "minute": 8}
